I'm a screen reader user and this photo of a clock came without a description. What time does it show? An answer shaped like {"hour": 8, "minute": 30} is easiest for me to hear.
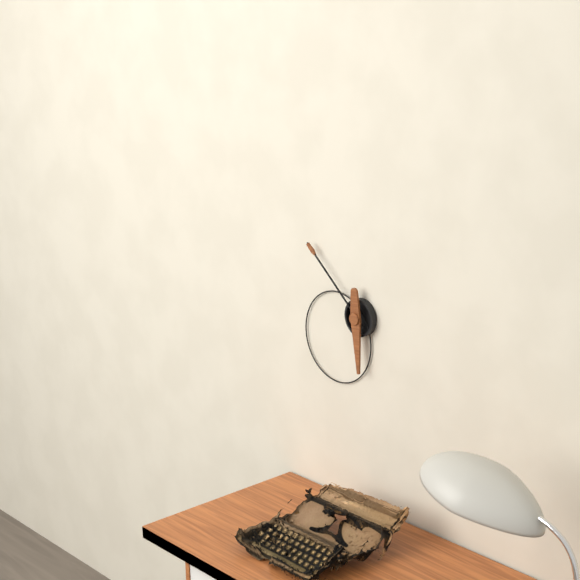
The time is {"hour": 5, "minute": 52}
